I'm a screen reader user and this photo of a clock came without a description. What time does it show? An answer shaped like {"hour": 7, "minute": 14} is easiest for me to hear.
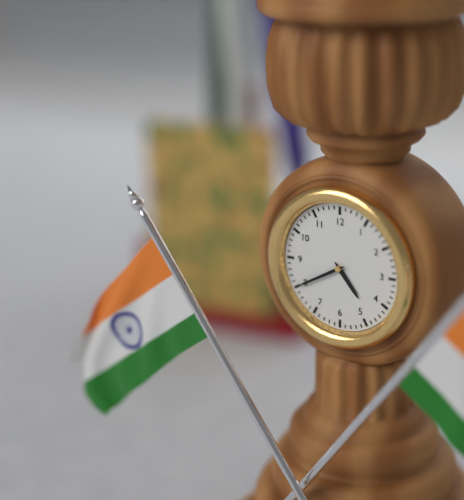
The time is {"hour": 4, "minute": 40}
